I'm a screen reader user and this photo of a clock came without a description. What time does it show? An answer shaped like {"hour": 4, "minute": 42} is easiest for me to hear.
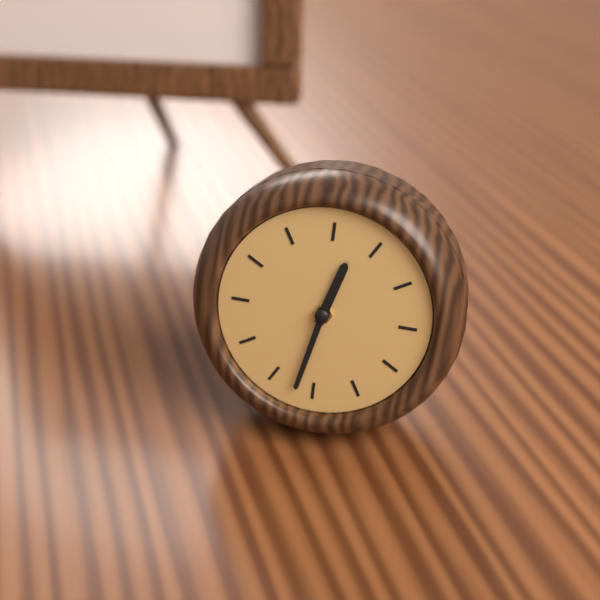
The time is {"hour": 12, "minute": 32}
